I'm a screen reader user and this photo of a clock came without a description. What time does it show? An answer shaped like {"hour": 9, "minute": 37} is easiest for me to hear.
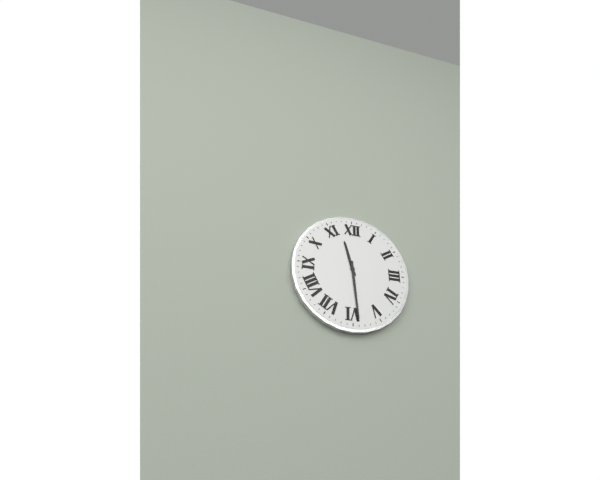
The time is {"hour": 11, "minute": 29}
